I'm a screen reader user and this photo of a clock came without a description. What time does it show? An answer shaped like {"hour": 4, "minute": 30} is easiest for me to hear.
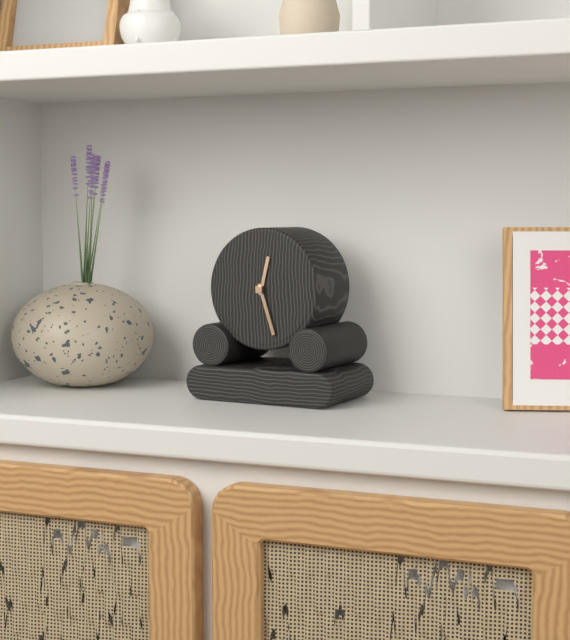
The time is {"hour": 12, "minute": 27}
